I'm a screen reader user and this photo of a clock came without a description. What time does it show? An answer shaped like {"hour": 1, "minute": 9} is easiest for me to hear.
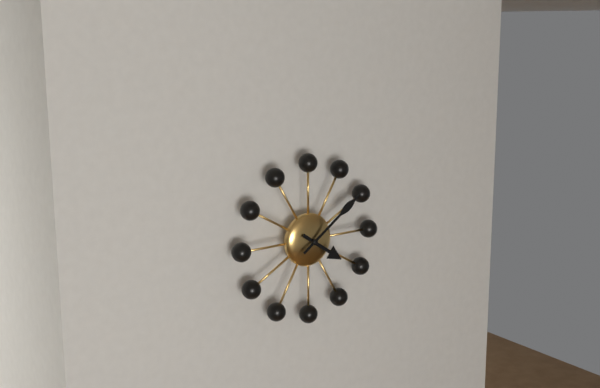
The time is {"hour": 4, "minute": 9}
